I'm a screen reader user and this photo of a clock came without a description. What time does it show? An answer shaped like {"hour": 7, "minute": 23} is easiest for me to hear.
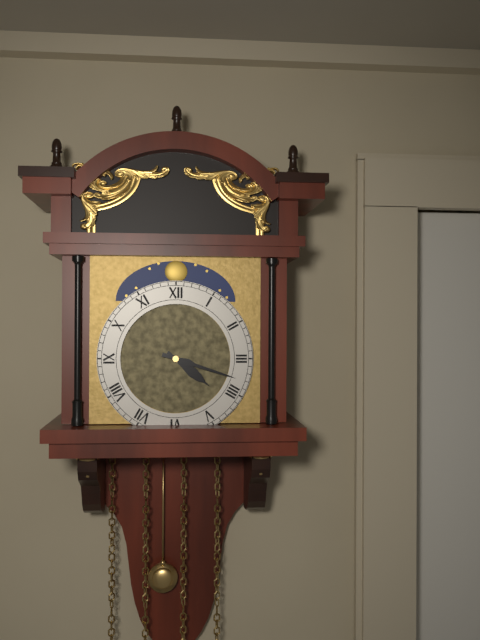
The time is {"hour": 4, "minute": 18}
